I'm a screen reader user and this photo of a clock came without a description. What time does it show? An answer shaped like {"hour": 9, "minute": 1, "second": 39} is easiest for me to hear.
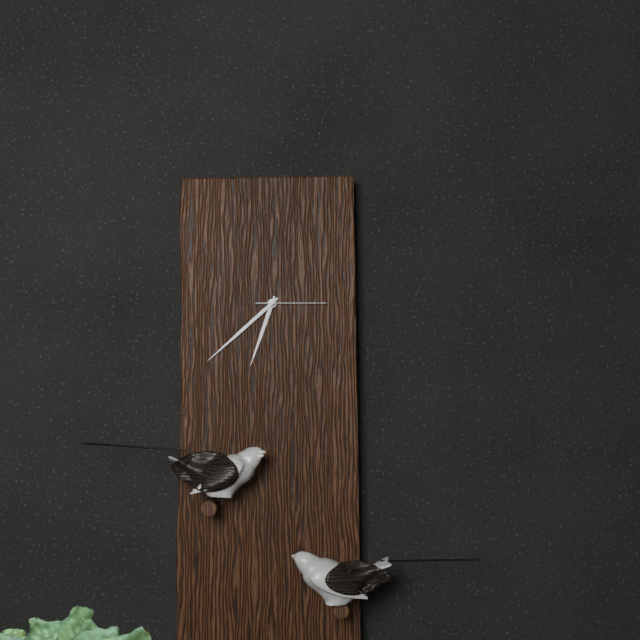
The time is {"hour": 6, "minute": 38, "second": 15}
